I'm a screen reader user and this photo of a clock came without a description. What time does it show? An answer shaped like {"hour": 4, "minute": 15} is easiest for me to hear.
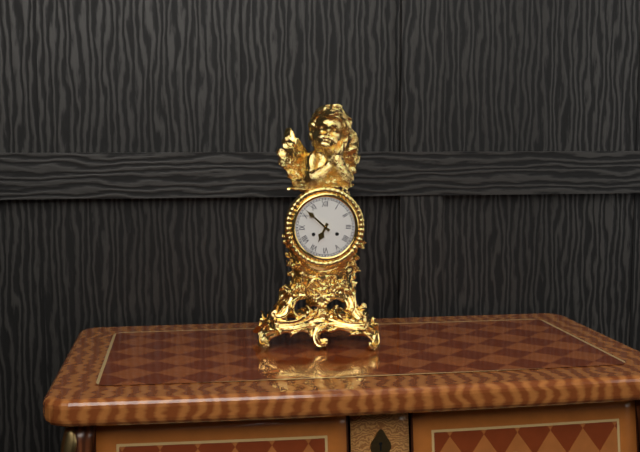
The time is {"hour": 6, "minute": 52}
